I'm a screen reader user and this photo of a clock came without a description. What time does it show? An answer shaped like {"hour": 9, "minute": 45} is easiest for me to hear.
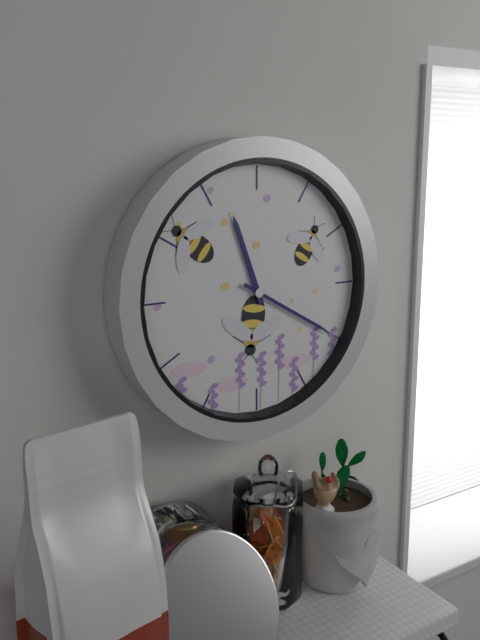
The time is {"hour": 11, "minute": 20}
